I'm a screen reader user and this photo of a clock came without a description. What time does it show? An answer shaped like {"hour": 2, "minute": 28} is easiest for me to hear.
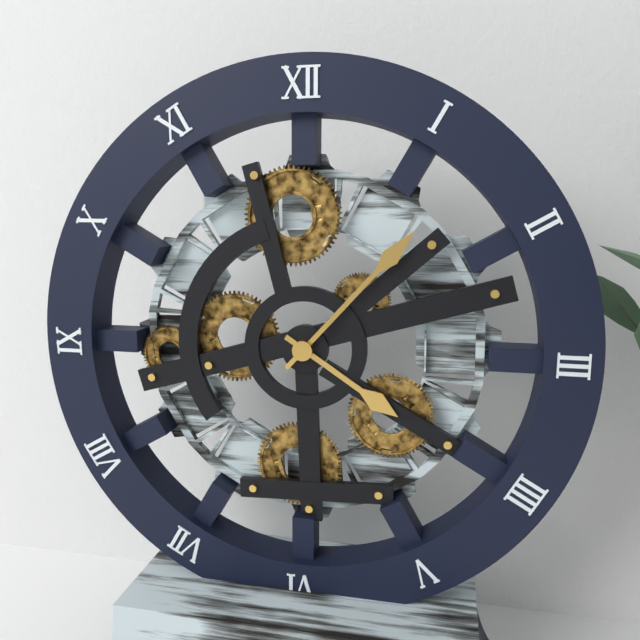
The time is {"hour": 4, "minute": 7}
